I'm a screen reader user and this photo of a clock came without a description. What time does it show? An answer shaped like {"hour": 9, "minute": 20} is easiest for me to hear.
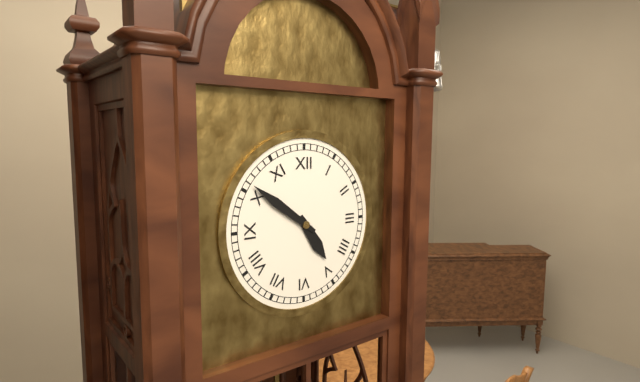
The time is {"hour": 4, "minute": 51}
